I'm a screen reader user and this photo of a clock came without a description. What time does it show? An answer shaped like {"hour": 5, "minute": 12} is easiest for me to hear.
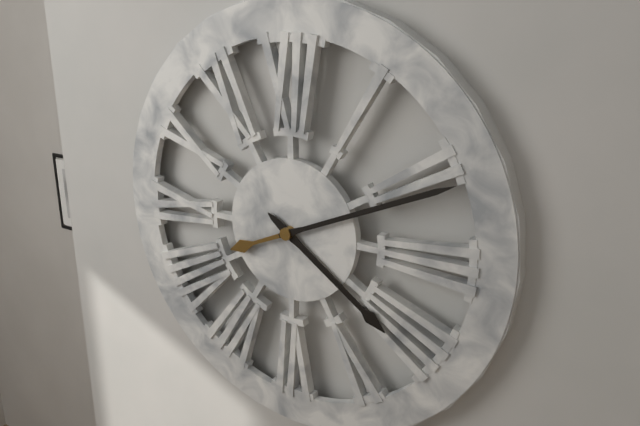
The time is {"hour": 4, "minute": 11}
